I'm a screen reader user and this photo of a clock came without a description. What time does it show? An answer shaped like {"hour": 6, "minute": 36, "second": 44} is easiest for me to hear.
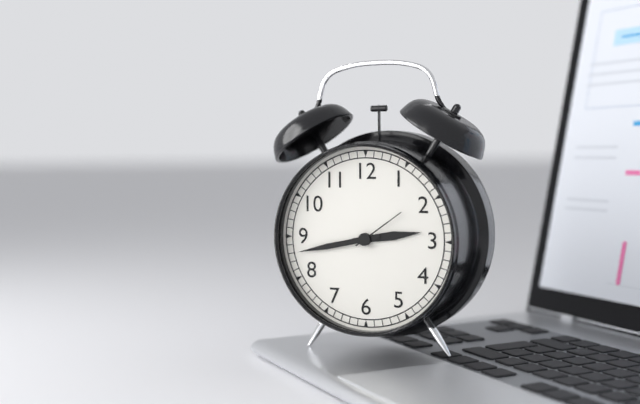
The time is {"hour": 2, "minute": 43, "second": 9}
